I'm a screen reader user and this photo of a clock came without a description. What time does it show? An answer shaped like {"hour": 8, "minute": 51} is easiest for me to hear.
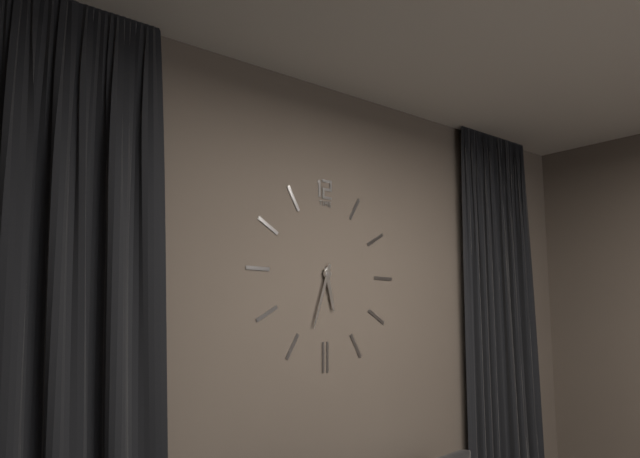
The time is {"hour": 5, "minute": 33}
